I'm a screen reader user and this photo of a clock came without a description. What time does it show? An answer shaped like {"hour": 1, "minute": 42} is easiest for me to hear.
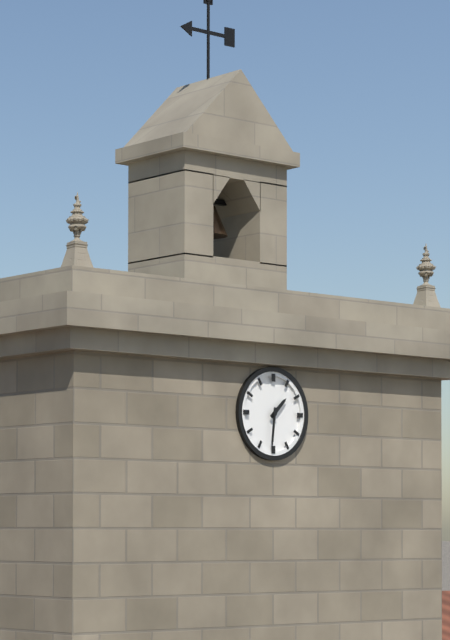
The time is {"hour": 1, "minute": 31}
